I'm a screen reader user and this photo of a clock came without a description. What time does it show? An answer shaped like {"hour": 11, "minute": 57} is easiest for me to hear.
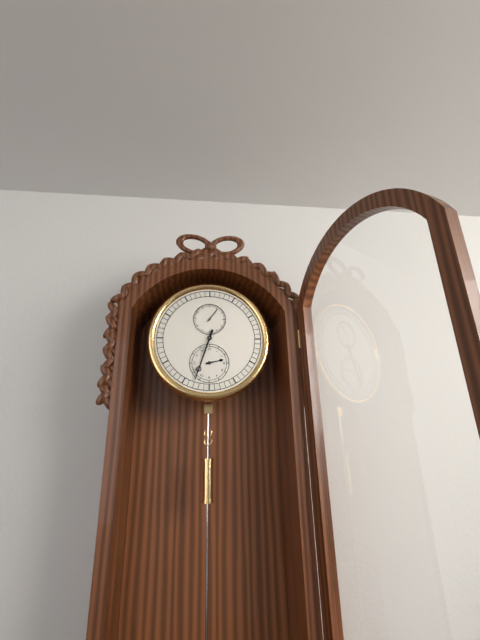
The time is {"hour": 2, "minute": 33}
